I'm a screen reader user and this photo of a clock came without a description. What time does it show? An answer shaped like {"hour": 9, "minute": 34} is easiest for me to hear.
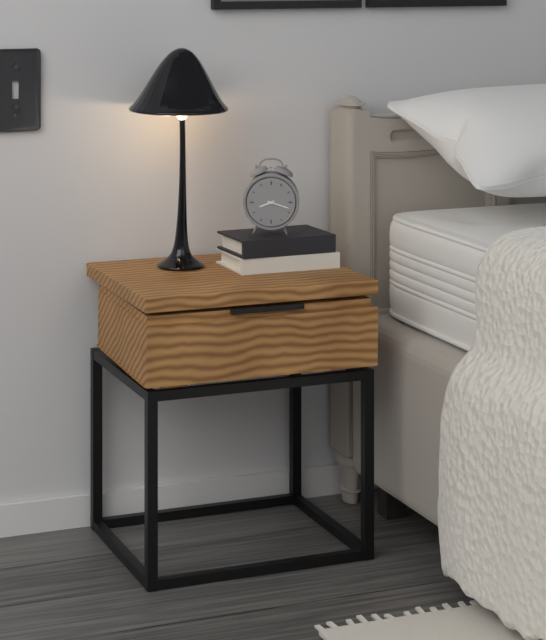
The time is {"hour": 8, "minute": 18}
